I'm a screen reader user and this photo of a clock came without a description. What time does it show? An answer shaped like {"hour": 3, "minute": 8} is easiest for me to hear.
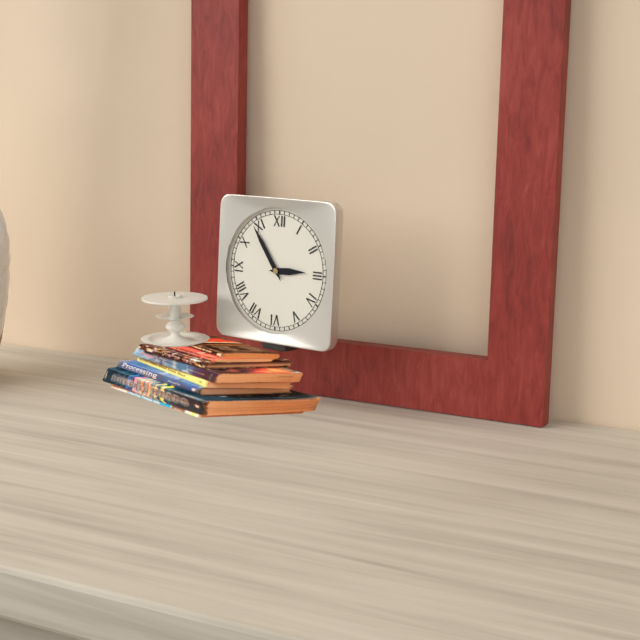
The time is {"hour": 2, "minute": 54}
